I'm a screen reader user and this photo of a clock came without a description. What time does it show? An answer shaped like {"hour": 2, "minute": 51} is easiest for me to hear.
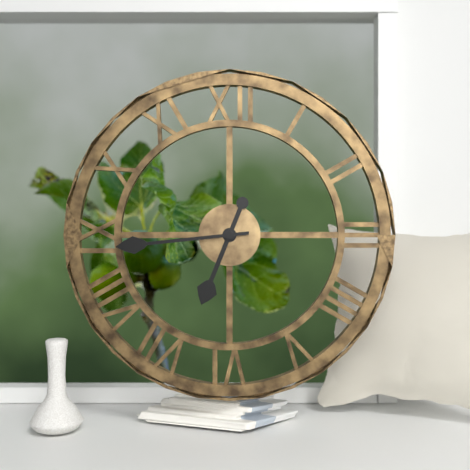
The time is {"hour": 6, "minute": 44}
